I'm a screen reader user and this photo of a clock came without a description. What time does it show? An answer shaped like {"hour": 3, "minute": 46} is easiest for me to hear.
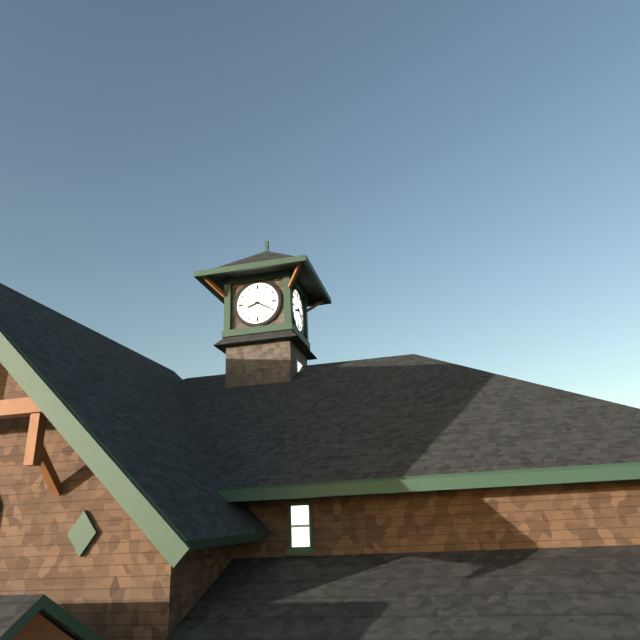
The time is {"hour": 8, "minute": 20}
